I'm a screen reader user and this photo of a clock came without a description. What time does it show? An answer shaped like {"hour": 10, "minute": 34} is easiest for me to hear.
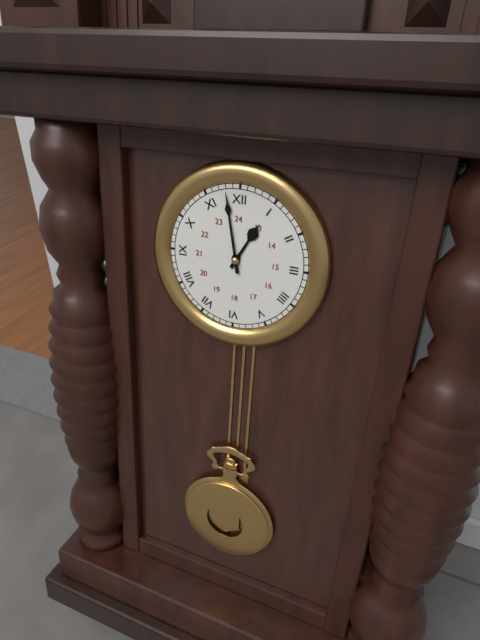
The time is {"hour": 12, "minute": 58}
